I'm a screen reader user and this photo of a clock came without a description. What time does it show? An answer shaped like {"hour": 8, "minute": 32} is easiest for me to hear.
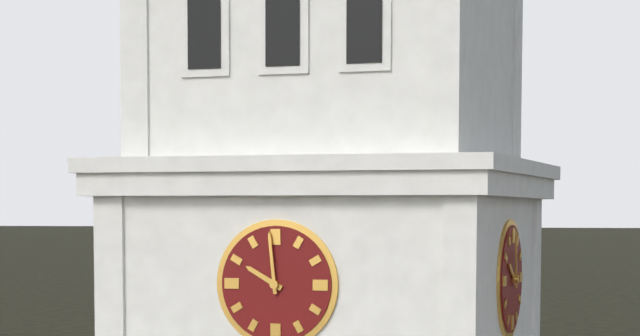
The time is {"hour": 9, "minute": 59}
